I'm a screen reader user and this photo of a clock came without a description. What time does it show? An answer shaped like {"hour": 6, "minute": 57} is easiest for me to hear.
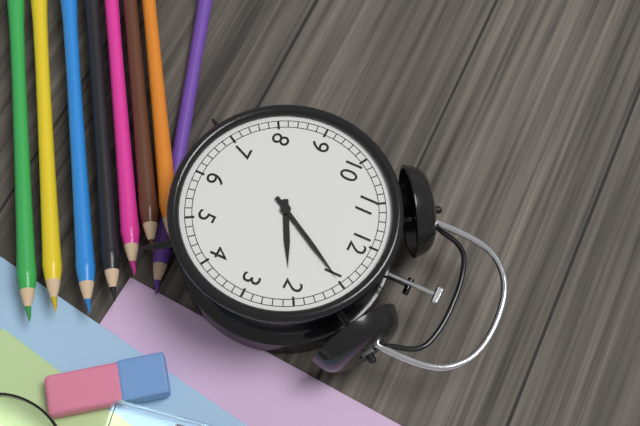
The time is {"hour": 2, "minute": 5}
